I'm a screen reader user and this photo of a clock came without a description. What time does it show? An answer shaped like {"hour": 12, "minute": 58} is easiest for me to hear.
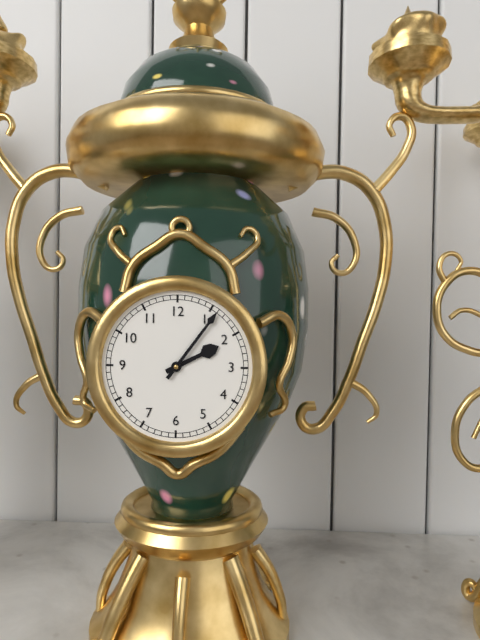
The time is {"hour": 2, "minute": 6}
